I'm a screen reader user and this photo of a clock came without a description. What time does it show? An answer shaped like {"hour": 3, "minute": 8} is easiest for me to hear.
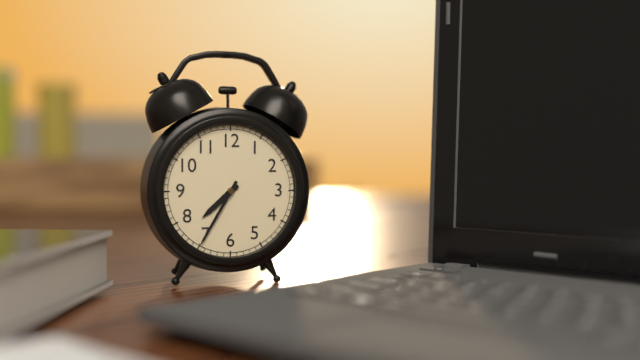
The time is {"hour": 7, "minute": 35}
